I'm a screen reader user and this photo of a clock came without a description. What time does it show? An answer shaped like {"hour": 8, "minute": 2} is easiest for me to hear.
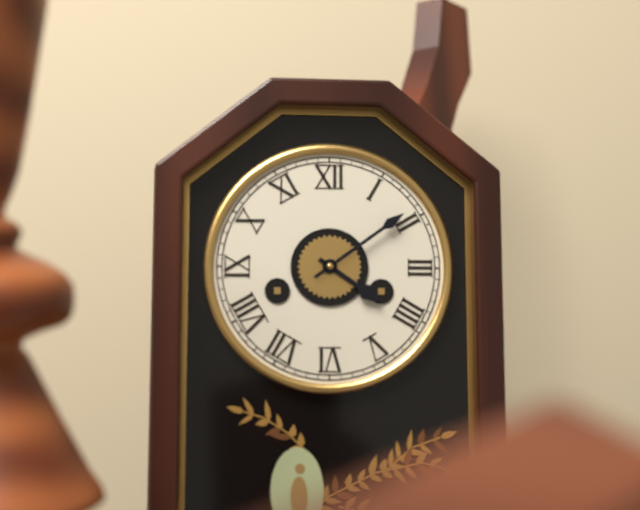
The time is {"hour": 4, "minute": 9}
